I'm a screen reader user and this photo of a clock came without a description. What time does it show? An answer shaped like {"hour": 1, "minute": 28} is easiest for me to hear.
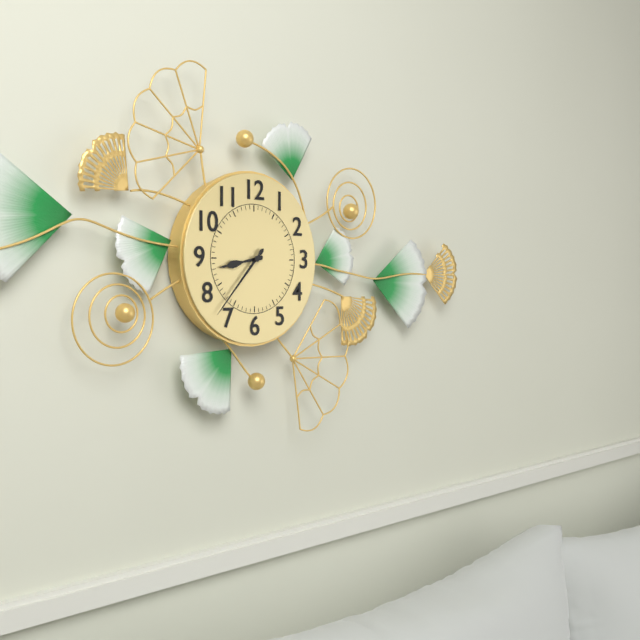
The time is {"hour": 8, "minute": 37}
